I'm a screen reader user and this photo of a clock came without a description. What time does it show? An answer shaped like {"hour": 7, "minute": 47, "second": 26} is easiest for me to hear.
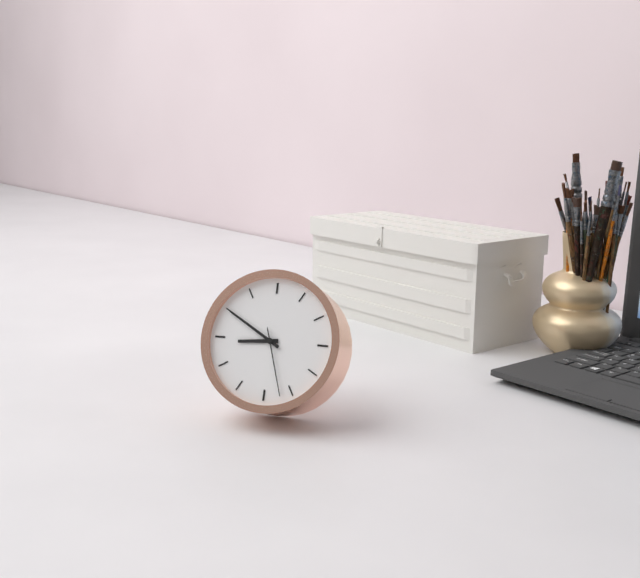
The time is {"hour": 8, "minute": 50, "second": 27}
